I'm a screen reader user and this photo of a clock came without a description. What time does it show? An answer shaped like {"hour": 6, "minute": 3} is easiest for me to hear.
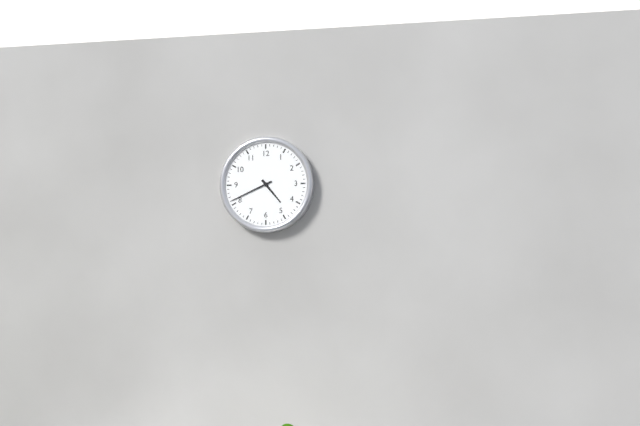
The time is {"hour": 4, "minute": 41}
